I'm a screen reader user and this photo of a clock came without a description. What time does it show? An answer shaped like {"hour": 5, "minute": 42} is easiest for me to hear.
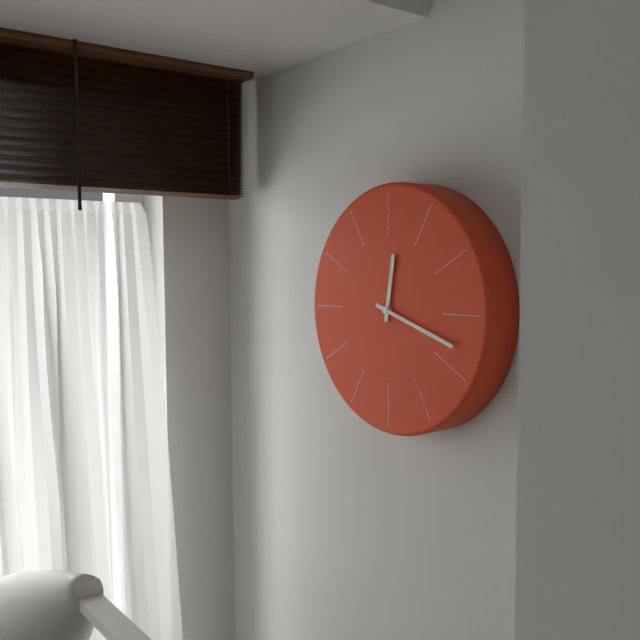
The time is {"hour": 12, "minute": 18}
